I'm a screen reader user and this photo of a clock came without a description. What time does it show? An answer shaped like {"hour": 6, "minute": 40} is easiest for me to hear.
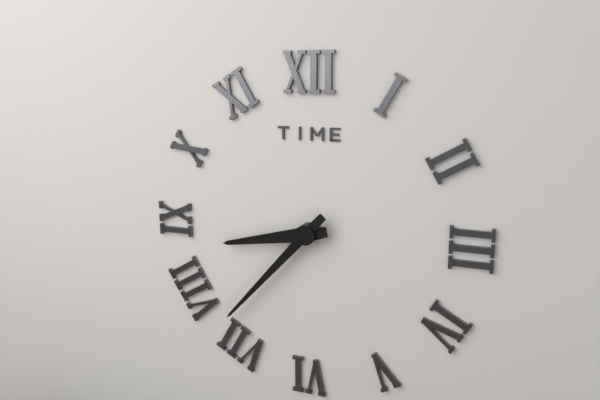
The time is {"hour": 8, "minute": 37}
